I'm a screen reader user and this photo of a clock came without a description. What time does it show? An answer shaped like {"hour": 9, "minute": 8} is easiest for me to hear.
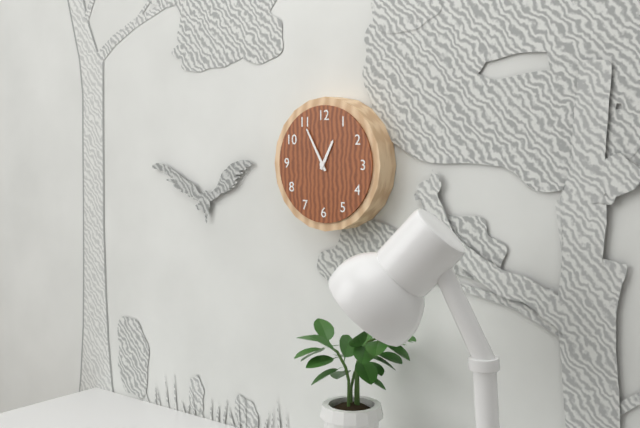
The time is {"hour": 12, "minute": 55}
